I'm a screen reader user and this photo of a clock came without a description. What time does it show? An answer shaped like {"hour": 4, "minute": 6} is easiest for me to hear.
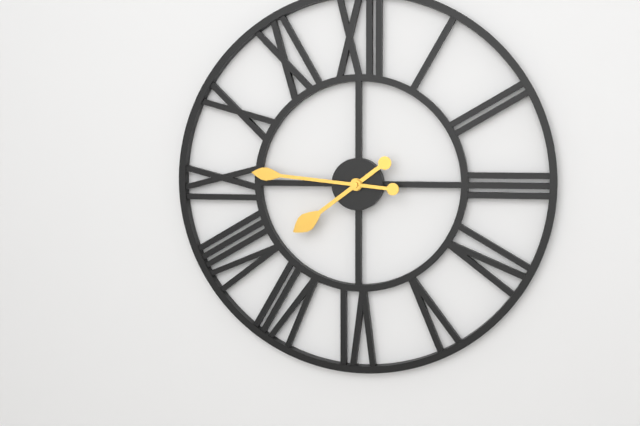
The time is {"hour": 7, "minute": 46}
